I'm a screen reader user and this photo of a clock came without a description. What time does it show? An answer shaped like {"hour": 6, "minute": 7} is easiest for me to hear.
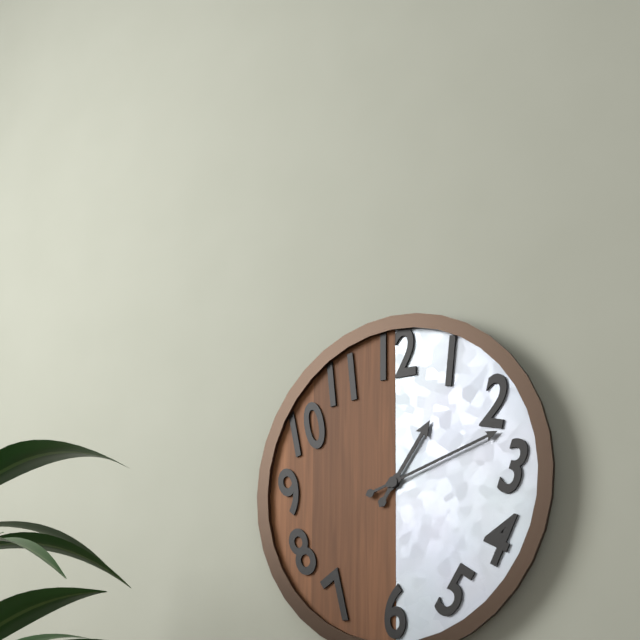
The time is {"hour": 1, "minute": 12}
